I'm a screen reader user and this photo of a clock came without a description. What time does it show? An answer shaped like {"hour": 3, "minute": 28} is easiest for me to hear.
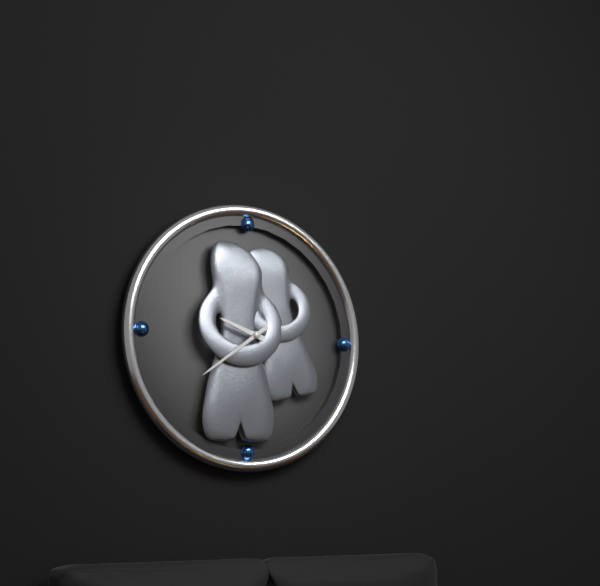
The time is {"hour": 9, "minute": 39}
